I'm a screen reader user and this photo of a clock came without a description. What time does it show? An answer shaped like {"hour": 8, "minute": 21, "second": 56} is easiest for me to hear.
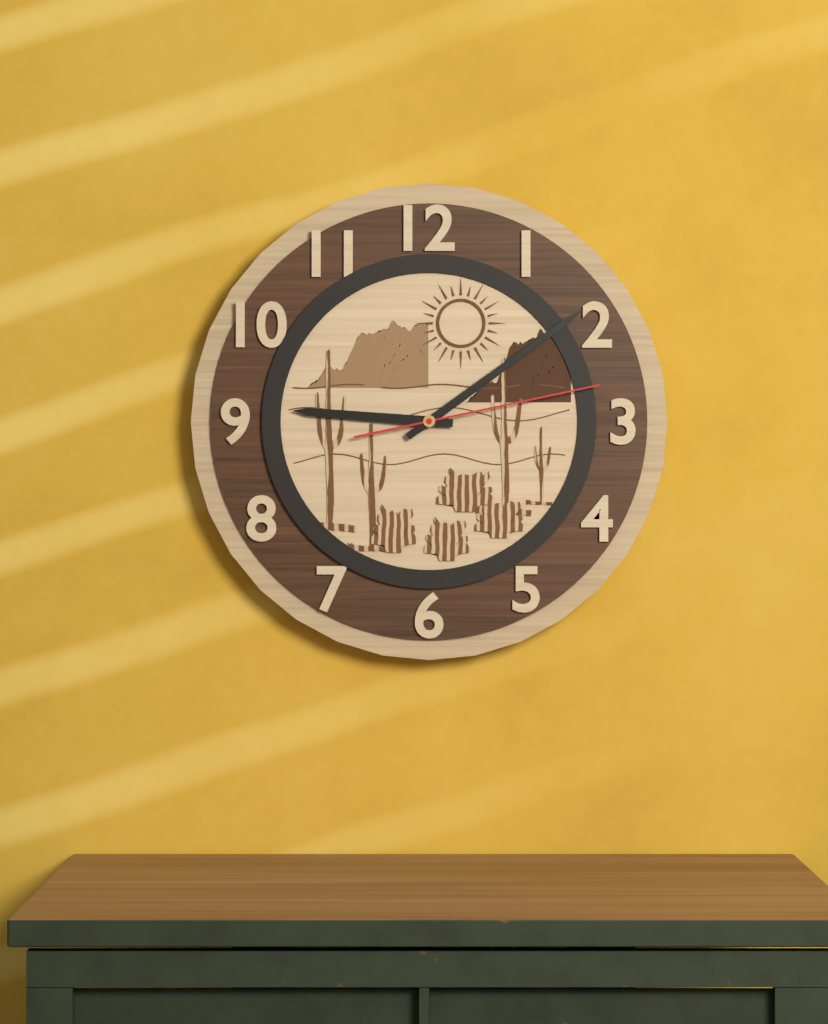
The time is {"hour": 9, "minute": 9, "second": 13}
